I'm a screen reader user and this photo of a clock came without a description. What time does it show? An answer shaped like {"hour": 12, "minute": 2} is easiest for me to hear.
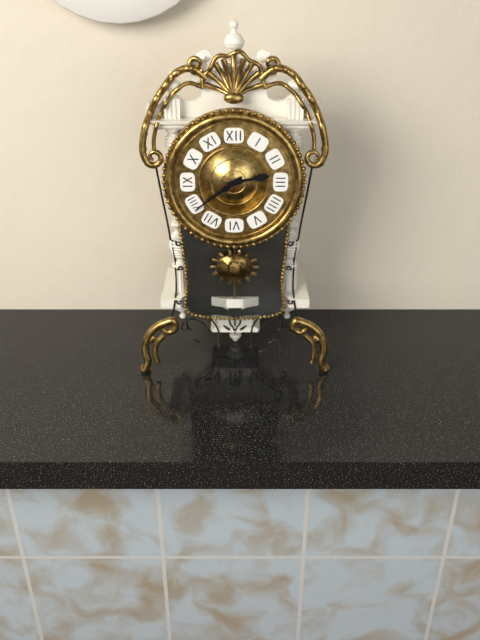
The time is {"hour": 2, "minute": 39}
